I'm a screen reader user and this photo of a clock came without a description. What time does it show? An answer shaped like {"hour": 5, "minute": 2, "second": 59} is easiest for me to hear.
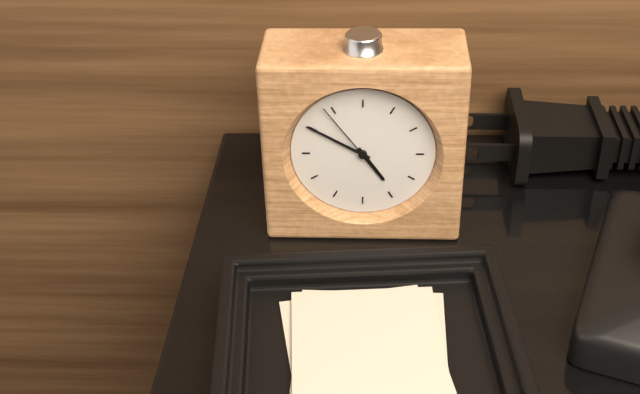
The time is {"hour": 4, "minute": 50, "second": 54}
